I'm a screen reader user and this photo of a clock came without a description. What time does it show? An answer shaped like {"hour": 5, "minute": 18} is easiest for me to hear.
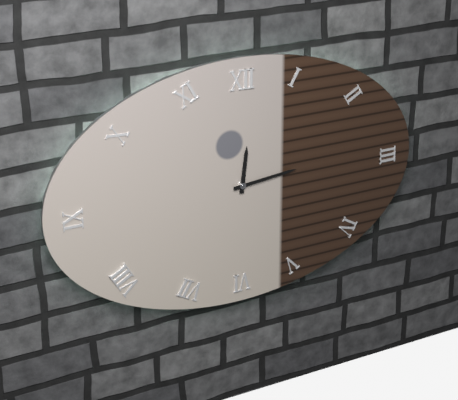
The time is {"hour": 12, "minute": 14}
